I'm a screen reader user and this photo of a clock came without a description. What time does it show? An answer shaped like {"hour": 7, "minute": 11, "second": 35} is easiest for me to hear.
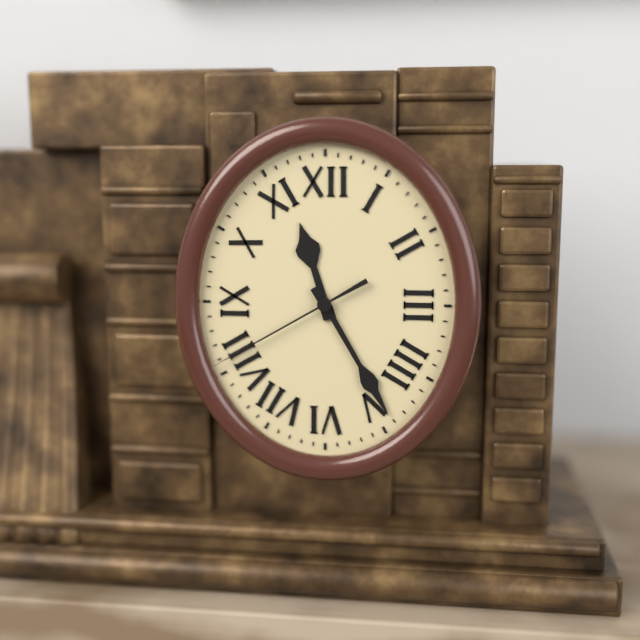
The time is {"hour": 11, "minute": 25, "second": 40}
